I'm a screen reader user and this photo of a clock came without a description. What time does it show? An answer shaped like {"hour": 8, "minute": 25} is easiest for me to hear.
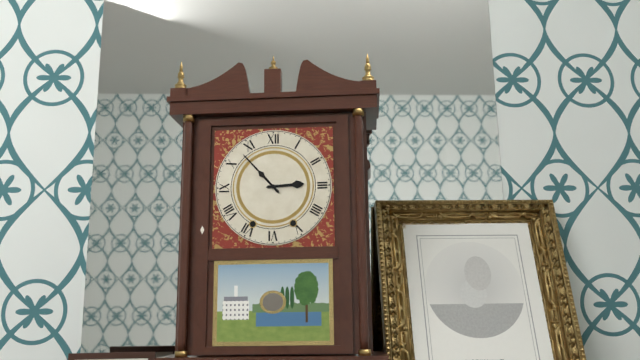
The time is {"hour": 2, "minute": 53}
